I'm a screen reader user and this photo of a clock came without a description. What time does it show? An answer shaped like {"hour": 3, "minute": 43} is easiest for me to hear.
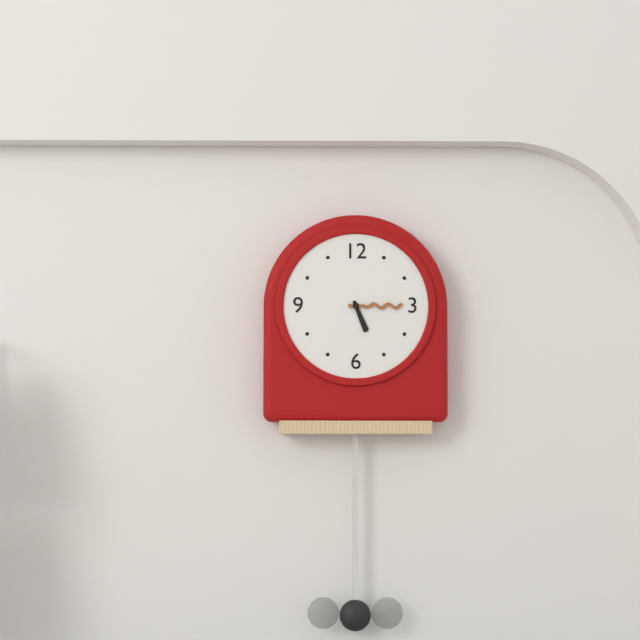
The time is {"hour": 5, "minute": 15}
